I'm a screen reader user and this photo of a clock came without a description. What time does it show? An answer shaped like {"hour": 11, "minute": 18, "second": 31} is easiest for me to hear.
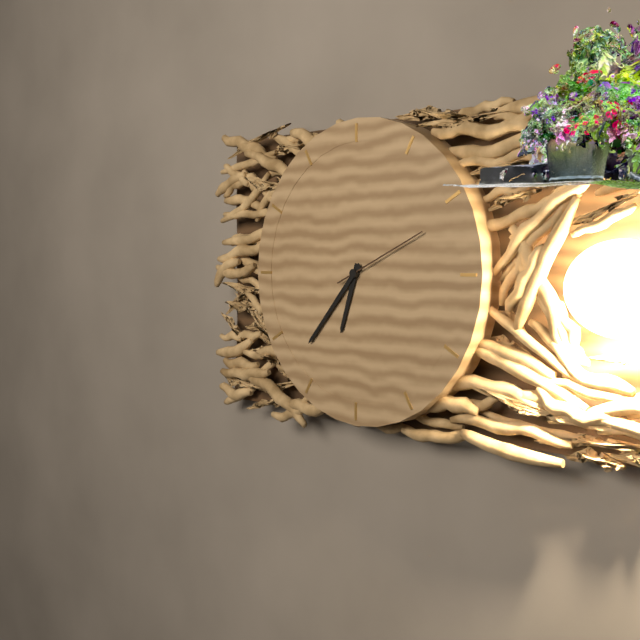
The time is {"hour": 6, "minute": 37, "second": 11}
